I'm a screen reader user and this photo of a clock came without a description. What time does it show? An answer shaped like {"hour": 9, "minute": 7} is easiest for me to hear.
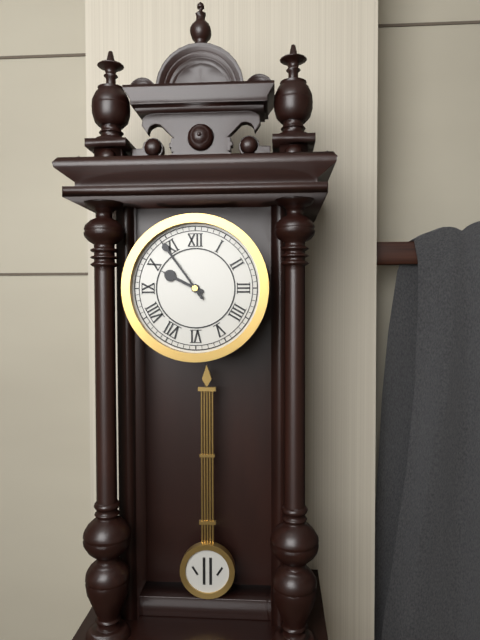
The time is {"hour": 9, "minute": 54}
